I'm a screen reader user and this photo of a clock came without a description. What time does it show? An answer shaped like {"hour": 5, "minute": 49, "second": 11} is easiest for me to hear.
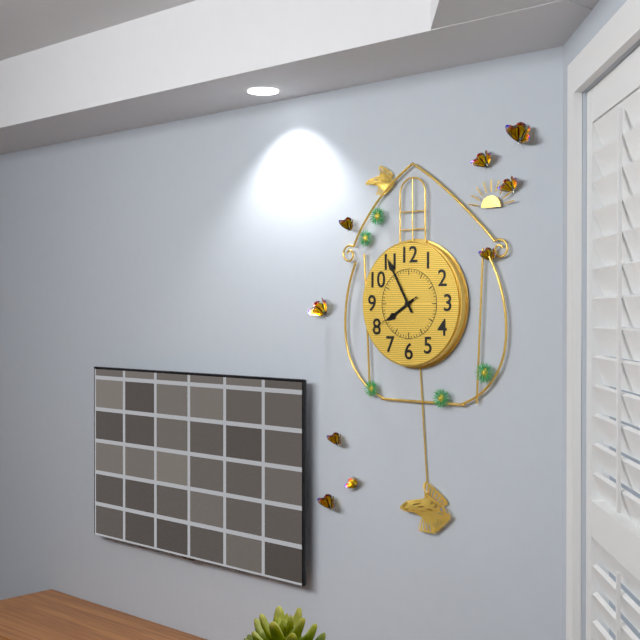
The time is {"hour": 7, "minute": 55, "second": 40}
